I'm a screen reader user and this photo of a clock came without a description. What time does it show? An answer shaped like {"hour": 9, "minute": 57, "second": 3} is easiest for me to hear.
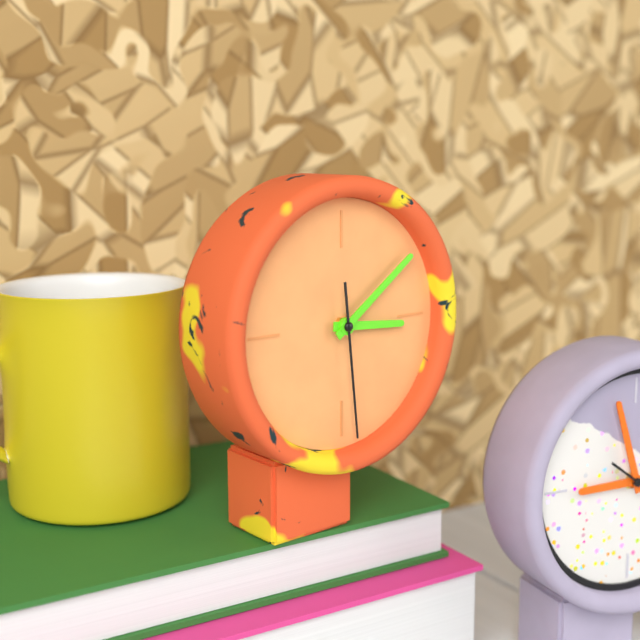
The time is {"hour": 3, "minute": 9, "second": 29}
